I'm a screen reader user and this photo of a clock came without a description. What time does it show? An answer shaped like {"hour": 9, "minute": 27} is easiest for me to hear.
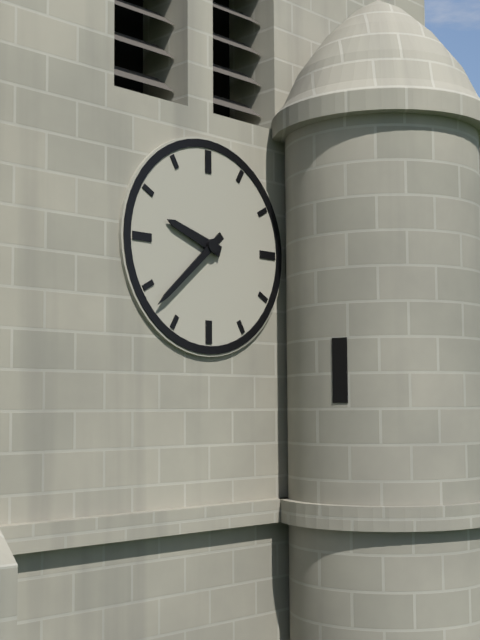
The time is {"hour": 9, "minute": 38}
